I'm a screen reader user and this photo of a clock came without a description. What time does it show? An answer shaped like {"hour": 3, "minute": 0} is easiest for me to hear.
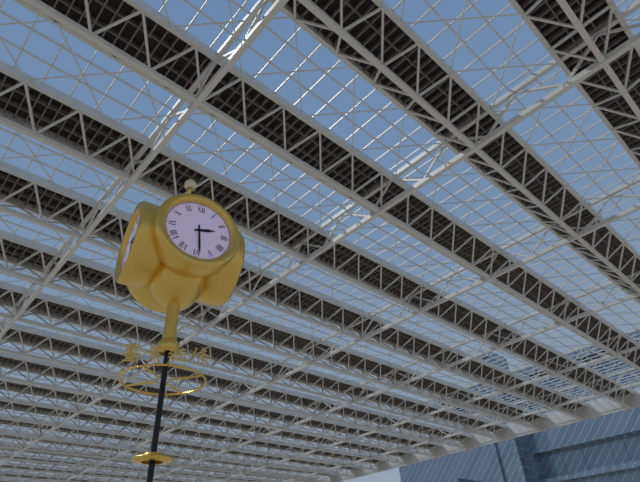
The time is {"hour": 2, "minute": 29}
